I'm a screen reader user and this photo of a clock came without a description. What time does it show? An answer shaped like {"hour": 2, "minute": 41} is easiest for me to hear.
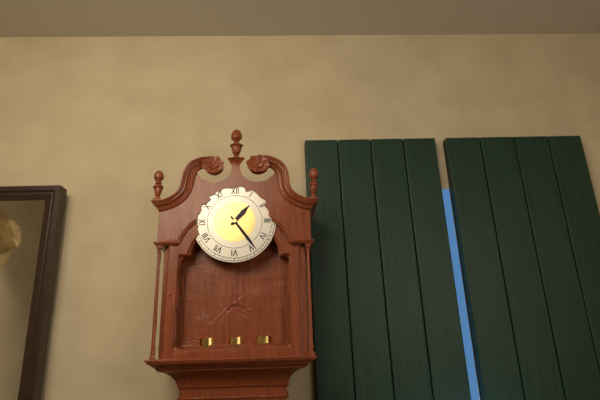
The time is {"hour": 1, "minute": 24}
